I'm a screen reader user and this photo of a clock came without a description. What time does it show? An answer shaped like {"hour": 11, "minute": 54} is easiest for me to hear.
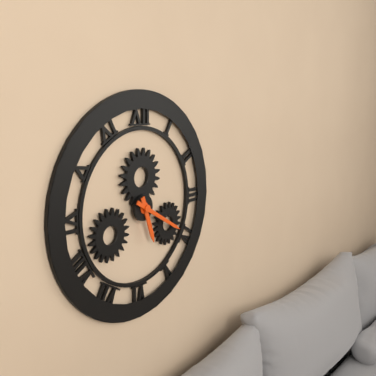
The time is {"hour": 5, "minute": 20}
